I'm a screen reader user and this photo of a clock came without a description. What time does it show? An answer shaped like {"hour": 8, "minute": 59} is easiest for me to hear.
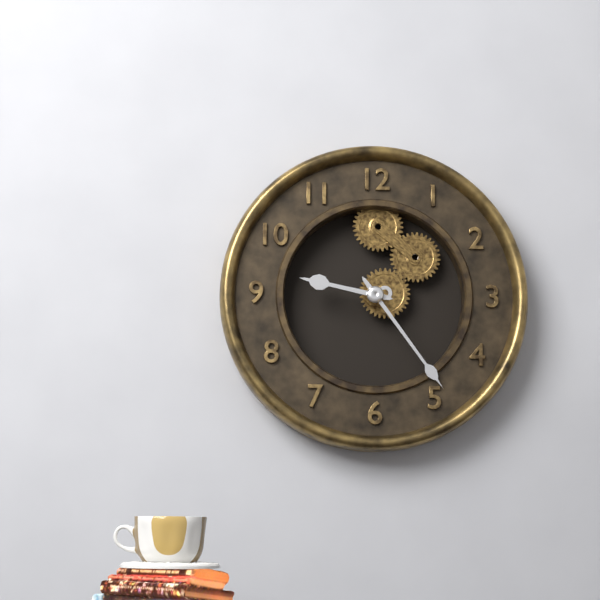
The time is {"hour": 9, "minute": 24}
